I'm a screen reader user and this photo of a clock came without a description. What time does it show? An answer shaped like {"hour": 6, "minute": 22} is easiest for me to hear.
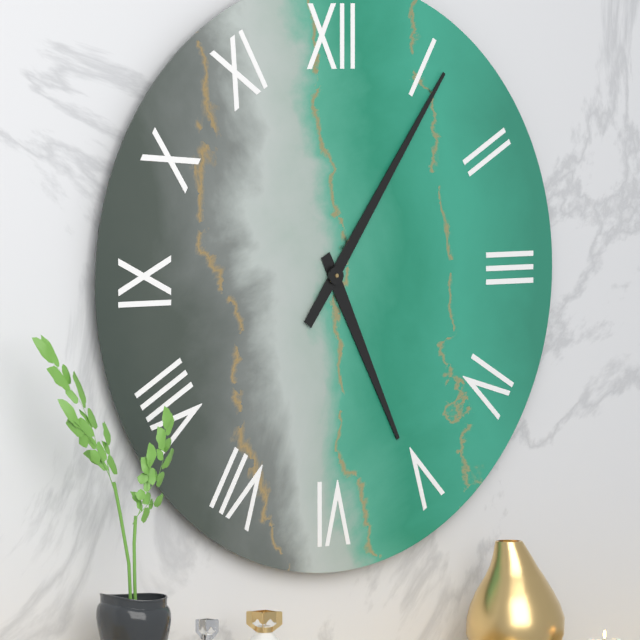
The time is {"hour": 5, "minute": 6}
